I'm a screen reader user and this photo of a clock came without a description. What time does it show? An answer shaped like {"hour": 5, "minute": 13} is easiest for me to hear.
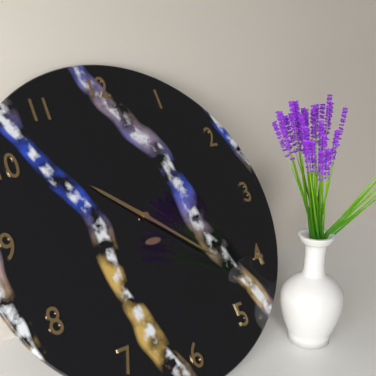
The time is {"hour": 10, "minute": 22}
